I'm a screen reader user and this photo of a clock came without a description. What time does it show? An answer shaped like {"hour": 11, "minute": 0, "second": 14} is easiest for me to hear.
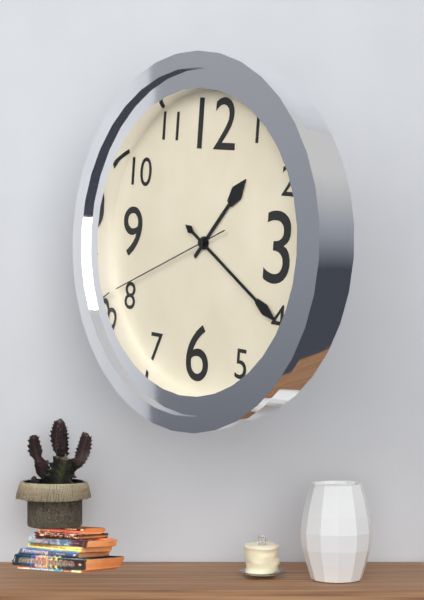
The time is {"hour": 1, "minute": 20, "second": 41}
